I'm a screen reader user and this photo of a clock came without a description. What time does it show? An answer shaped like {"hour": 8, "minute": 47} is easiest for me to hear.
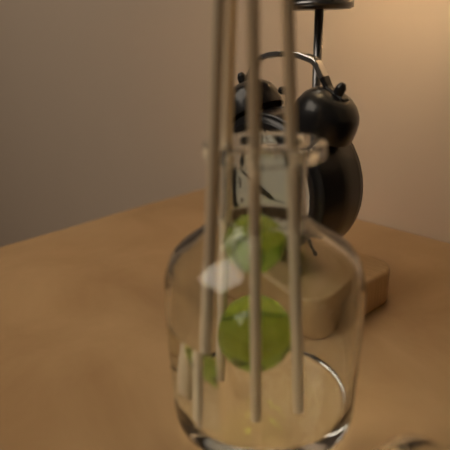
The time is {"hour": 3, "minute": 49}
